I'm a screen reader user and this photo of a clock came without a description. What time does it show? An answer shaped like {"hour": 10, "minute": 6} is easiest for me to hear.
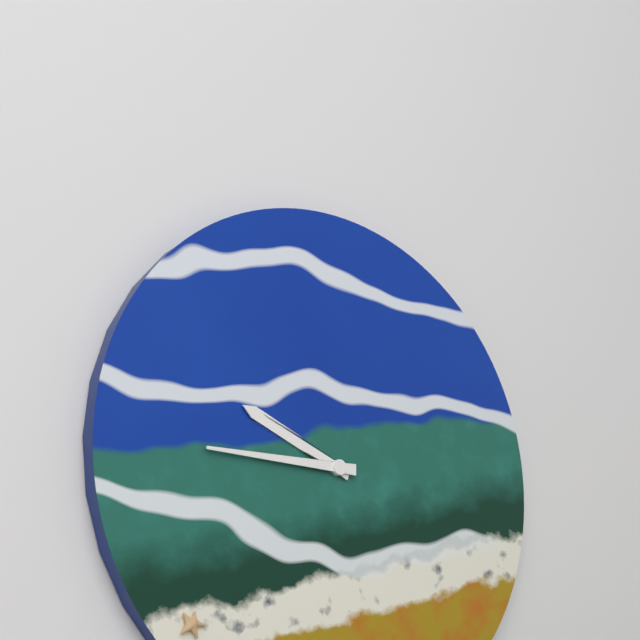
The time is {"hour": 9, "minute": 45}
